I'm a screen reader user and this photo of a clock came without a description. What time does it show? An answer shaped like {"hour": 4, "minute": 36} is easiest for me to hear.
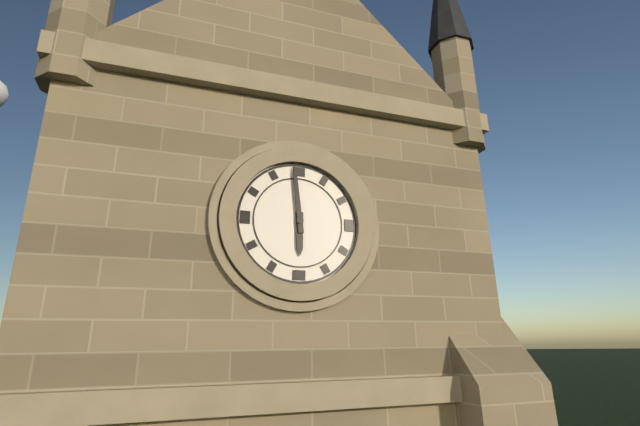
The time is {"hour": 5, "minute": 59}
